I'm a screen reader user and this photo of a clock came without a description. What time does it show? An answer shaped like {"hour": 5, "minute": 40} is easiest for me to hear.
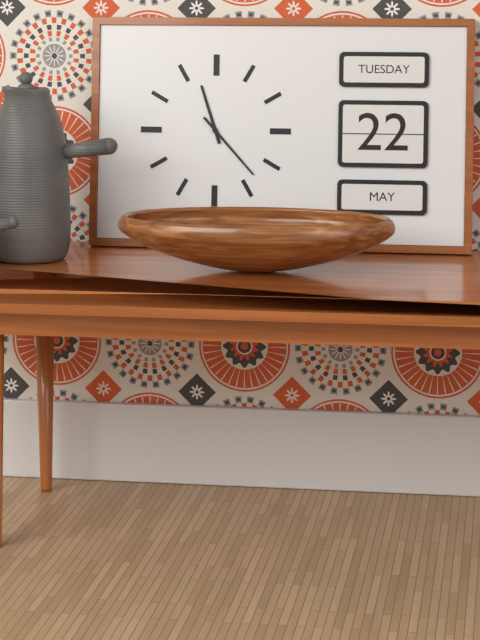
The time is {"hour": 11, "minute": 23}
